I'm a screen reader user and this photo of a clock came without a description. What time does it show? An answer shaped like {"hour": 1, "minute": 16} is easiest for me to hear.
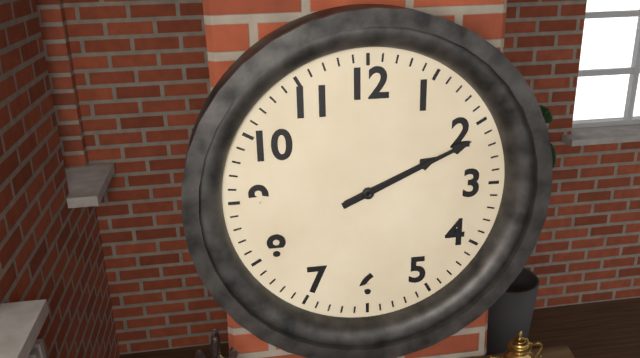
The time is {"hour": 2, "minute": 11}
